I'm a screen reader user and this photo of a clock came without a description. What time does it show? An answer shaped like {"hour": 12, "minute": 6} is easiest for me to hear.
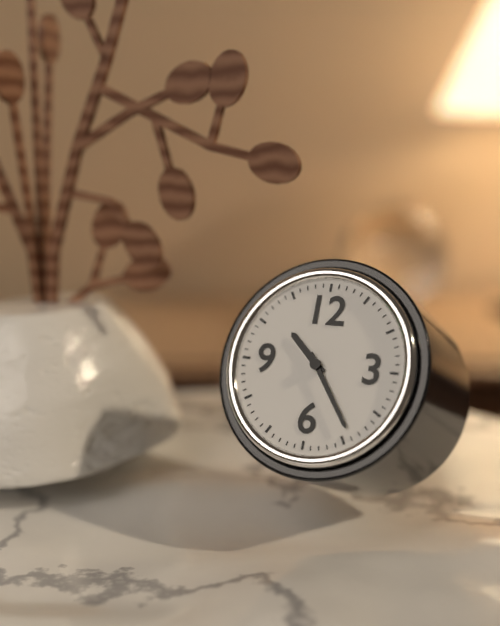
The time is {"hour": 10, "minute": 24}
